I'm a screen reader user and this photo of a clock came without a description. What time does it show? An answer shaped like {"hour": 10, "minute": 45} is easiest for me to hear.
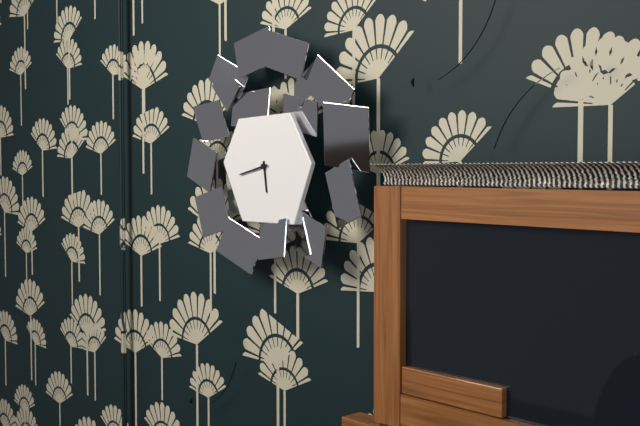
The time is {"hour": 5, "minute": 43}
